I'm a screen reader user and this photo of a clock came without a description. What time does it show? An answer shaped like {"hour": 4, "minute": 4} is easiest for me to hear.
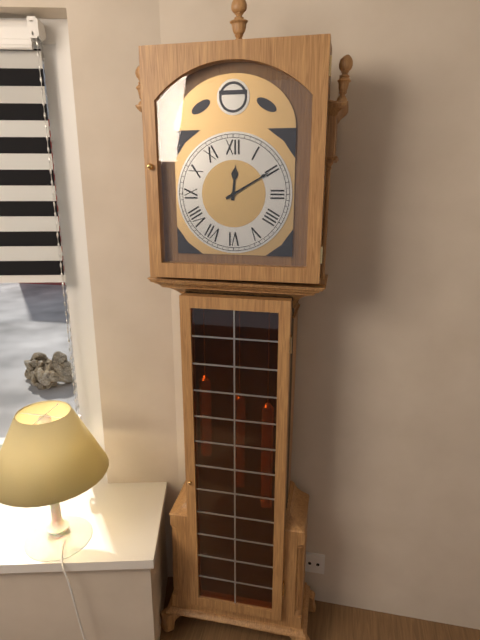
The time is {"hour": 12, "minute": 10}
